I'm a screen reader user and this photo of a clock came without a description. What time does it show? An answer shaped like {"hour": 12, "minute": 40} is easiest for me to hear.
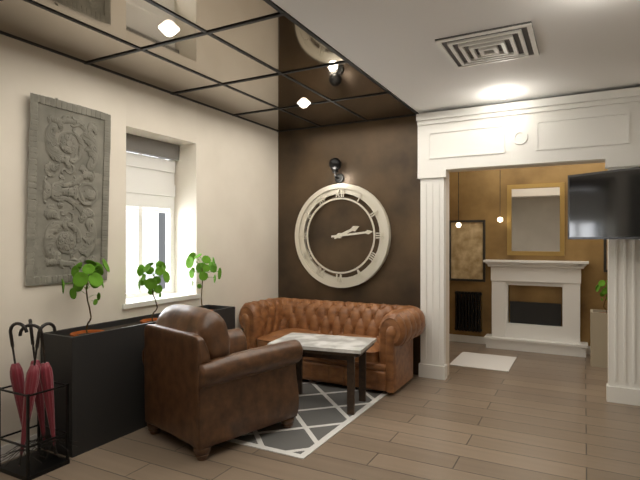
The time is {"hour": 2, "minute": 14}
